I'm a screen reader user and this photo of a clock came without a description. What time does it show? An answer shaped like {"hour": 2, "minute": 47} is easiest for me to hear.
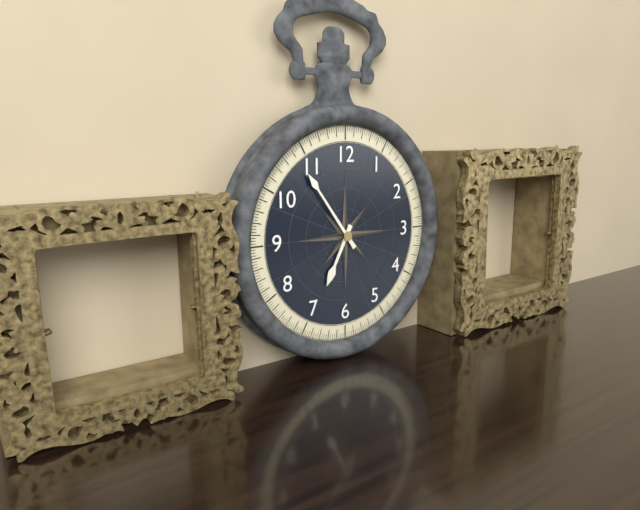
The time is {"hour": 6, "minute": 54}
